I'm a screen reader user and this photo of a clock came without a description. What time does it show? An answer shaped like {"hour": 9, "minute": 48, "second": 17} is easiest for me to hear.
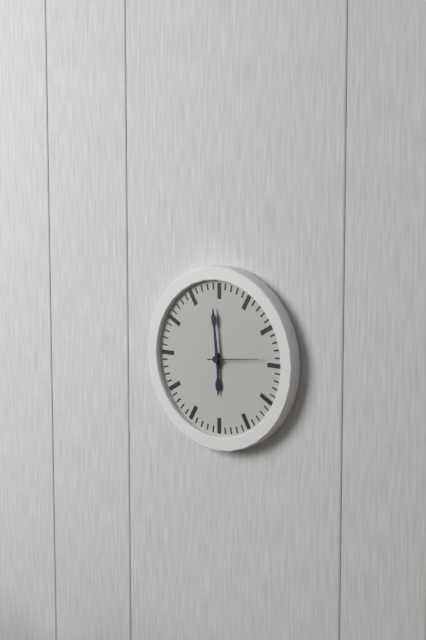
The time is {"hour": 5, "minute": 59, "second": 14}
